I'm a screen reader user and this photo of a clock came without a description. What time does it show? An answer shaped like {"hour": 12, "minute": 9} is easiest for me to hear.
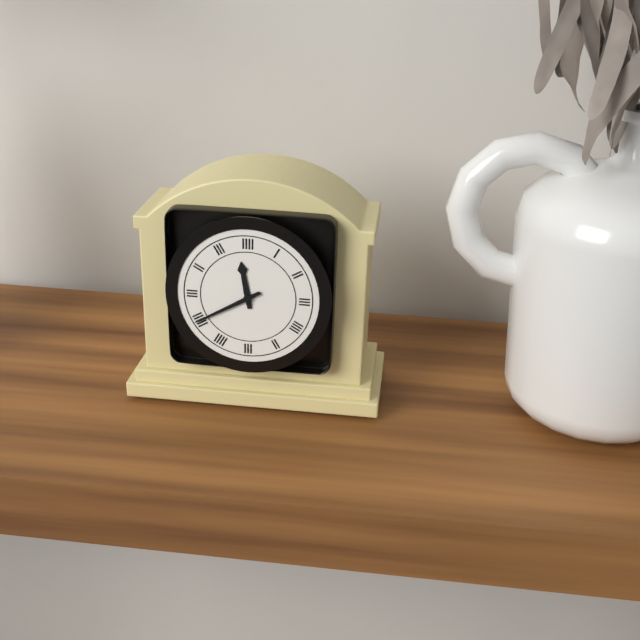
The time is {"hour": 11, "minute": 40}
